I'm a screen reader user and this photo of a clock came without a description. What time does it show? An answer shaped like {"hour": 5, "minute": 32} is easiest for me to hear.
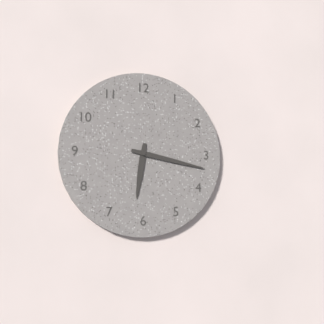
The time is {"hour": 6, "minute": 17}
